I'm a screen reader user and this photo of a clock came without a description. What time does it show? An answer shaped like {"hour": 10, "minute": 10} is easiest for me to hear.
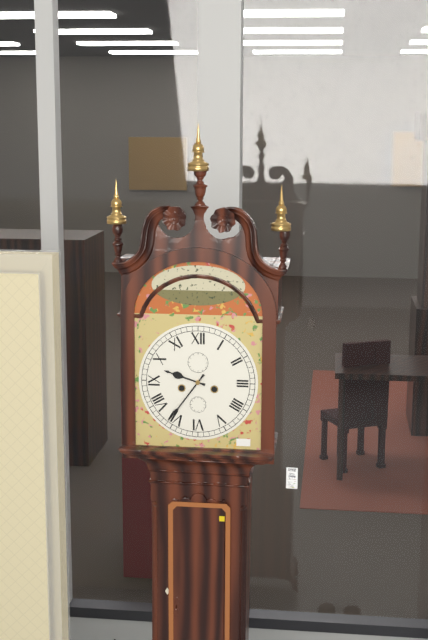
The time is {"hour": 9, "minute": 36}
